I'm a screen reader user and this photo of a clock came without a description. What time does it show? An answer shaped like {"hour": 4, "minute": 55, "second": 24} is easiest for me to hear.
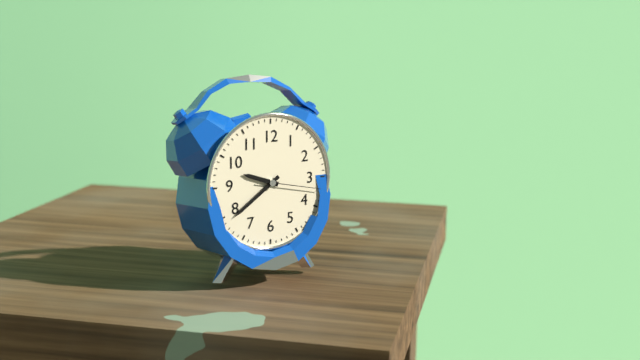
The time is {"hour": 9, "minute": 39, "second": 17}
